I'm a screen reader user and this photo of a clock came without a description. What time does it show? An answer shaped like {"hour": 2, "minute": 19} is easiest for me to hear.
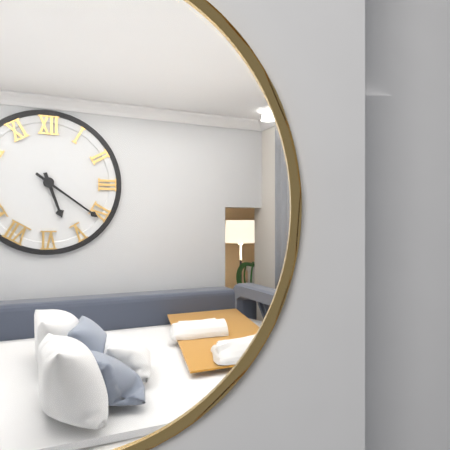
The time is {"hour": 5, "minute": 21}
